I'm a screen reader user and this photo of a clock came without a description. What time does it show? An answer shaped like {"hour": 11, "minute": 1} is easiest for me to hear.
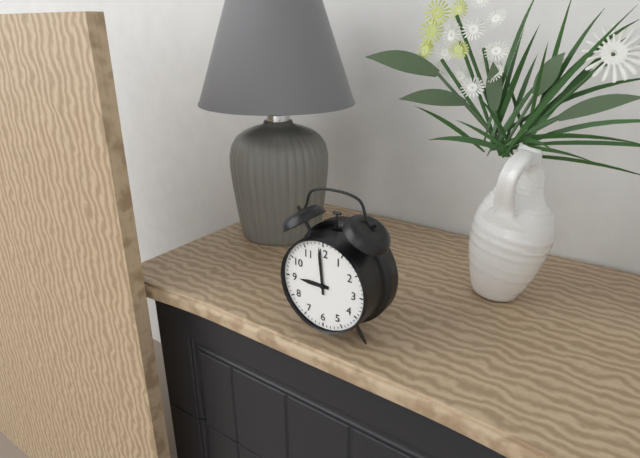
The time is {"hour": 8, "minute": 59}
